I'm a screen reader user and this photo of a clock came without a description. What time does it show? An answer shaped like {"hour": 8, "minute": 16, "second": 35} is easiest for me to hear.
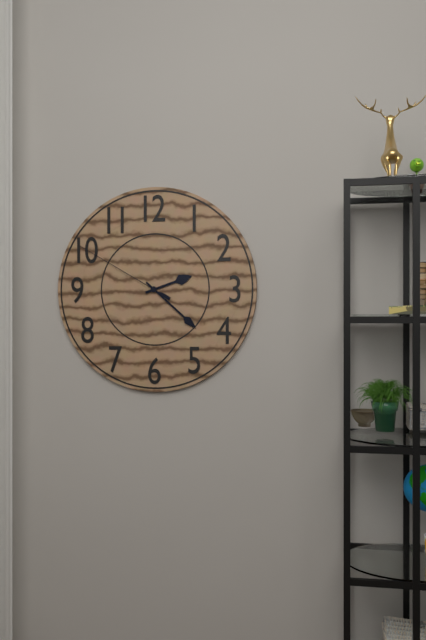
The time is {"hour": 2, "minute": 22, "second": 50}
